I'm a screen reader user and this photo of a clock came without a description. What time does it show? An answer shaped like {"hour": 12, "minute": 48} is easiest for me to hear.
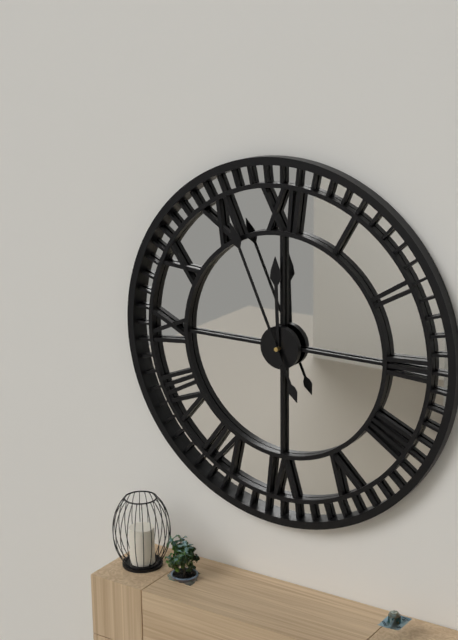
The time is {"hour": 11, "minute": 56}
